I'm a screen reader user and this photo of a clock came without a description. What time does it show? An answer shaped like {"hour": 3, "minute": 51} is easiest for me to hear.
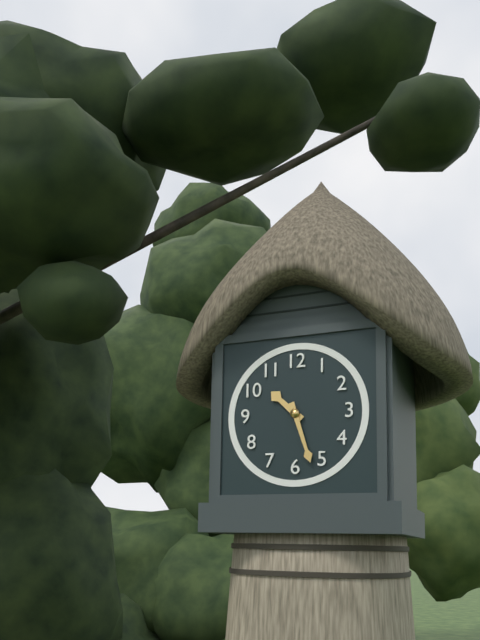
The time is {"hour": 10, "minute": 27}
